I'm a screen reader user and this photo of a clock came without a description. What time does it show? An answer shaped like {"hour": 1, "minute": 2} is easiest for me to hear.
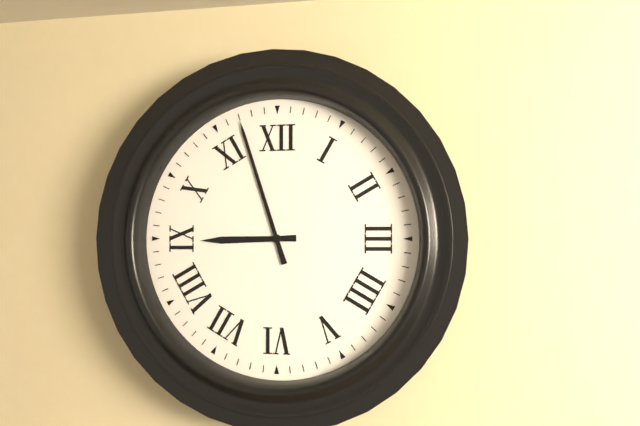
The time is {"hour": 8, "minute": 57}
